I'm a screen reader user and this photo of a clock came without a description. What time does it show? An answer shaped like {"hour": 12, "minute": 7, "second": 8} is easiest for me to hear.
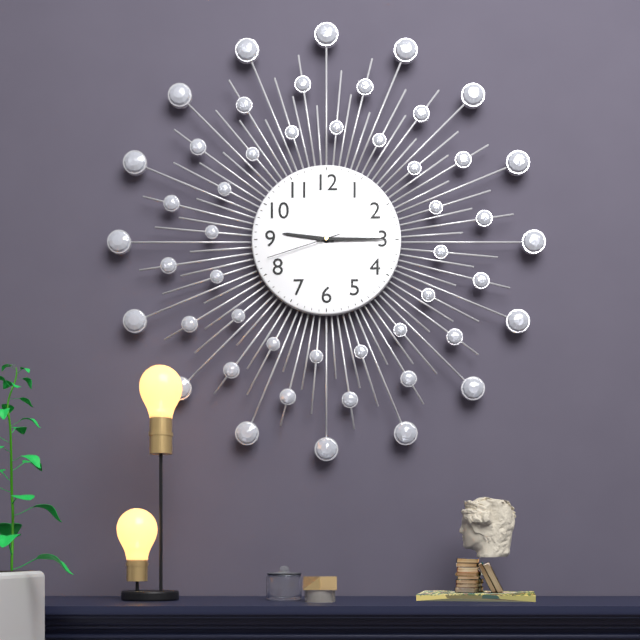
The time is {"hour": 9, "minute": 15, "second": 42}
